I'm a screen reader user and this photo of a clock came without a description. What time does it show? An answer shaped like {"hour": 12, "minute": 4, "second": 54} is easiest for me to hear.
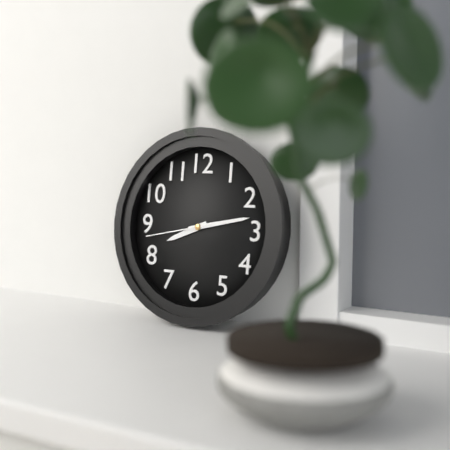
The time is {"hour": 8, "minute": 13, "second": 43}
